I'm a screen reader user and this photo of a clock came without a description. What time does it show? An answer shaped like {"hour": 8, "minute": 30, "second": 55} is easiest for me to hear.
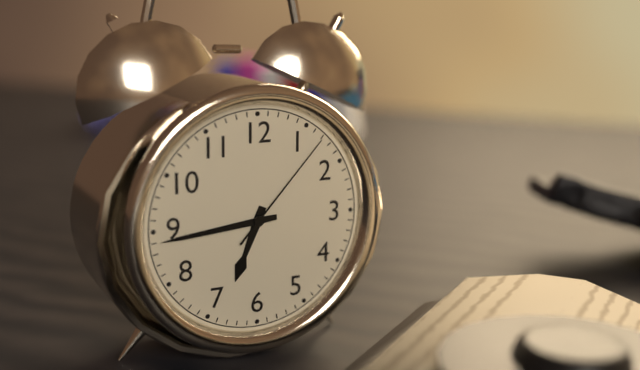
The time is {"hour": 6, "minute": 44, "second": 7}
